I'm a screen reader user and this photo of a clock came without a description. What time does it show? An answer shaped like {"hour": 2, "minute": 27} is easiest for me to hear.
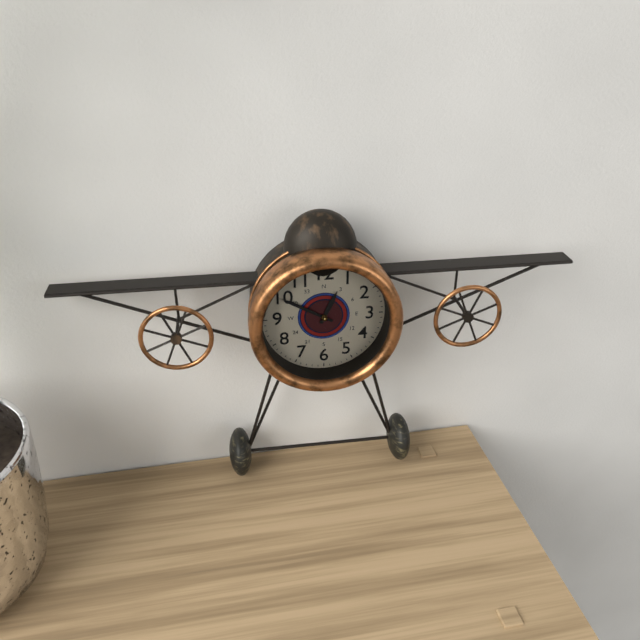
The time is {"hour": 12, "minute": 50}
